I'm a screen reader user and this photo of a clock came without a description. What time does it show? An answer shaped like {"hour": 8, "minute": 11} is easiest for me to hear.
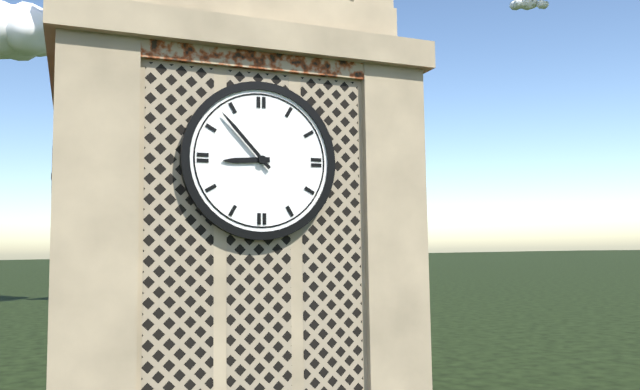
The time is {"hour": 8, "minute": 53}
